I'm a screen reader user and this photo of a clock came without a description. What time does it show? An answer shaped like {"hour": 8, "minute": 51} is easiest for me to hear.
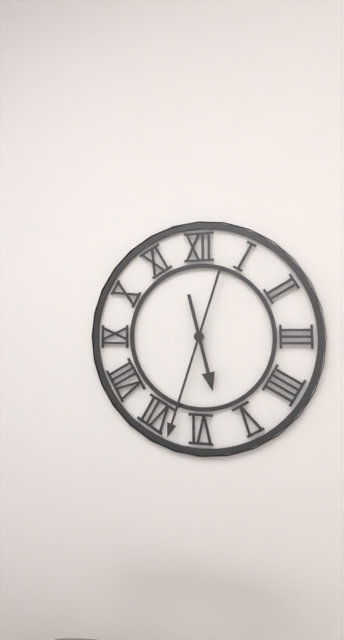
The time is {"hour": 5, "minute": 33}
